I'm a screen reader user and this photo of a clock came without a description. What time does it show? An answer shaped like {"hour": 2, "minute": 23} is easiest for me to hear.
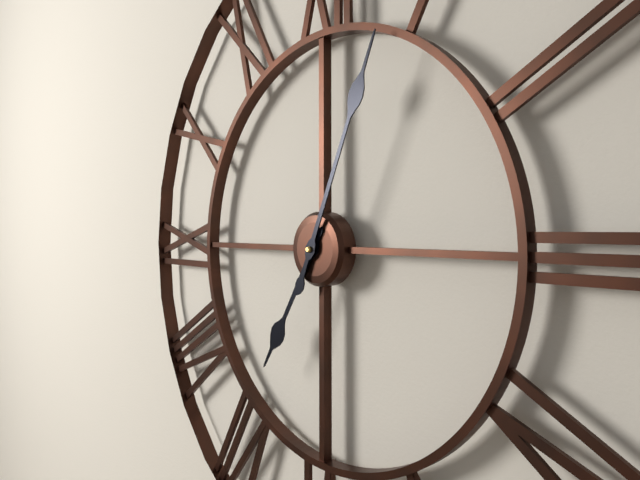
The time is {"hour": 7, "minute": 4}
